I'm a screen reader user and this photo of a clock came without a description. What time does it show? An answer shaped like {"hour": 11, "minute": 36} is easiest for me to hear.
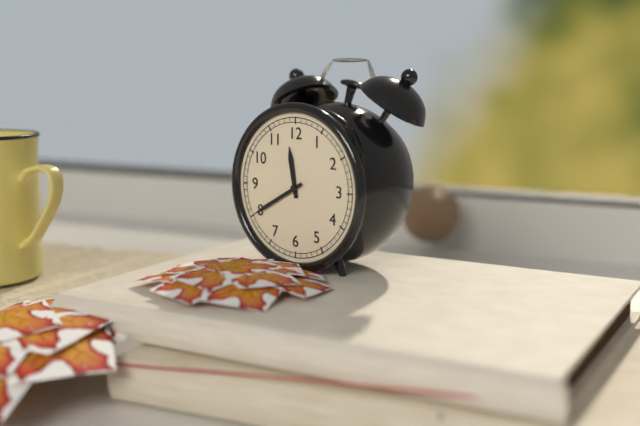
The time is {"hour": 11, "minute": 40}
